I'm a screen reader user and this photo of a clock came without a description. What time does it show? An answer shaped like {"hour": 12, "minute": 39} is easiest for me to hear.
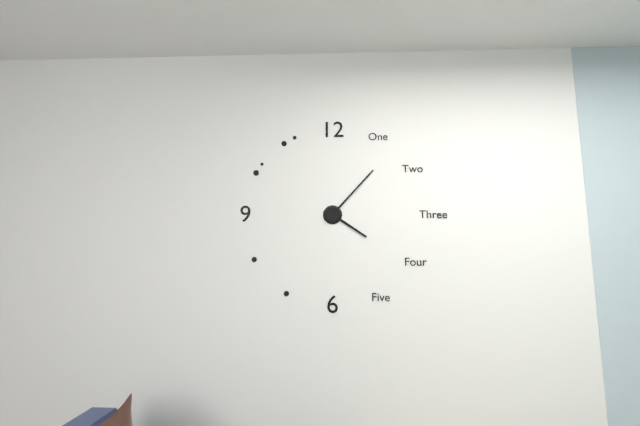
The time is {"hour": 4, "minute": 7}
